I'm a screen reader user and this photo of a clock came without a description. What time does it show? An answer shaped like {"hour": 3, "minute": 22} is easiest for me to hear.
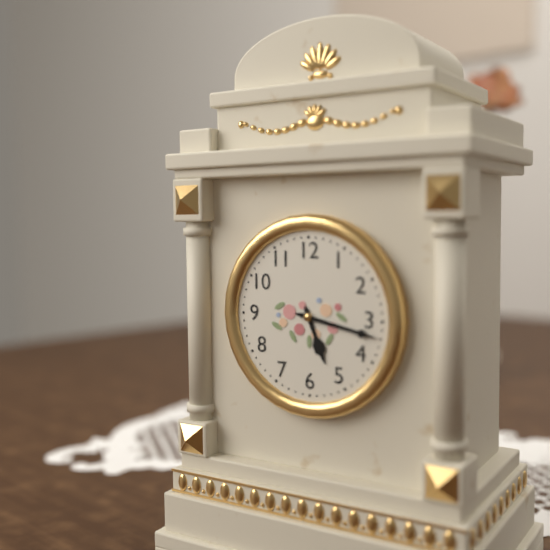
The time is {"hour": 5, "minute": 17}
